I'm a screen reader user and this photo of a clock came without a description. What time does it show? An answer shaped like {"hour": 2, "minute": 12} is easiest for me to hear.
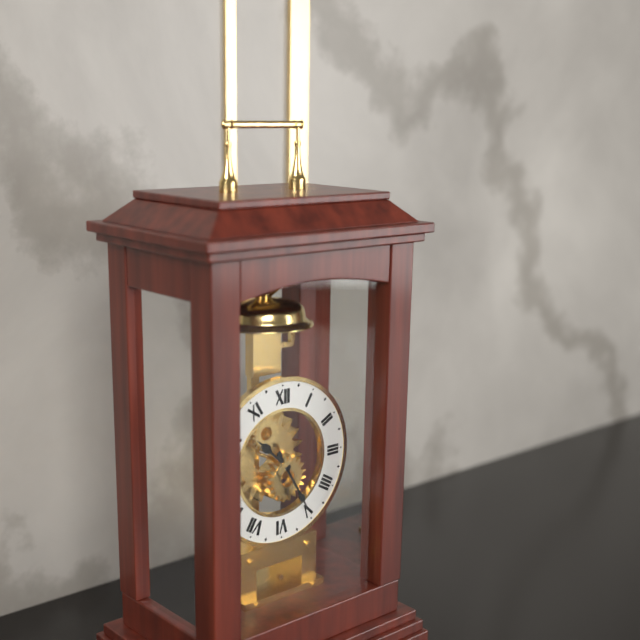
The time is {"hour": 10, "minute": 25}
